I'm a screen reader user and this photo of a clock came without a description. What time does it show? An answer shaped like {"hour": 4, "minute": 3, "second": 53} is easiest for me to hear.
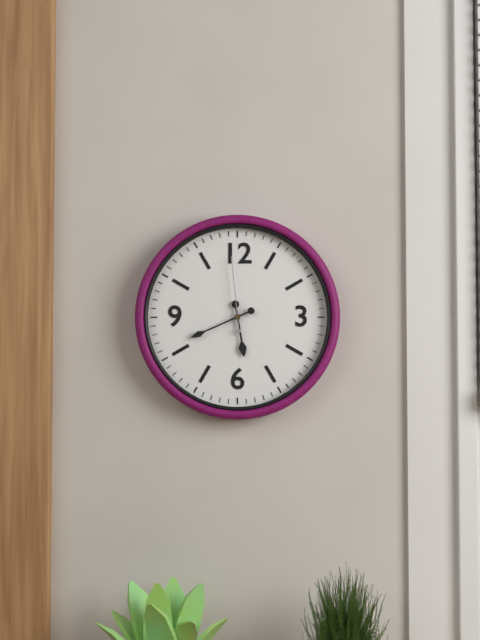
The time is {"hour": 5, "minute": 41, "second": 59}
